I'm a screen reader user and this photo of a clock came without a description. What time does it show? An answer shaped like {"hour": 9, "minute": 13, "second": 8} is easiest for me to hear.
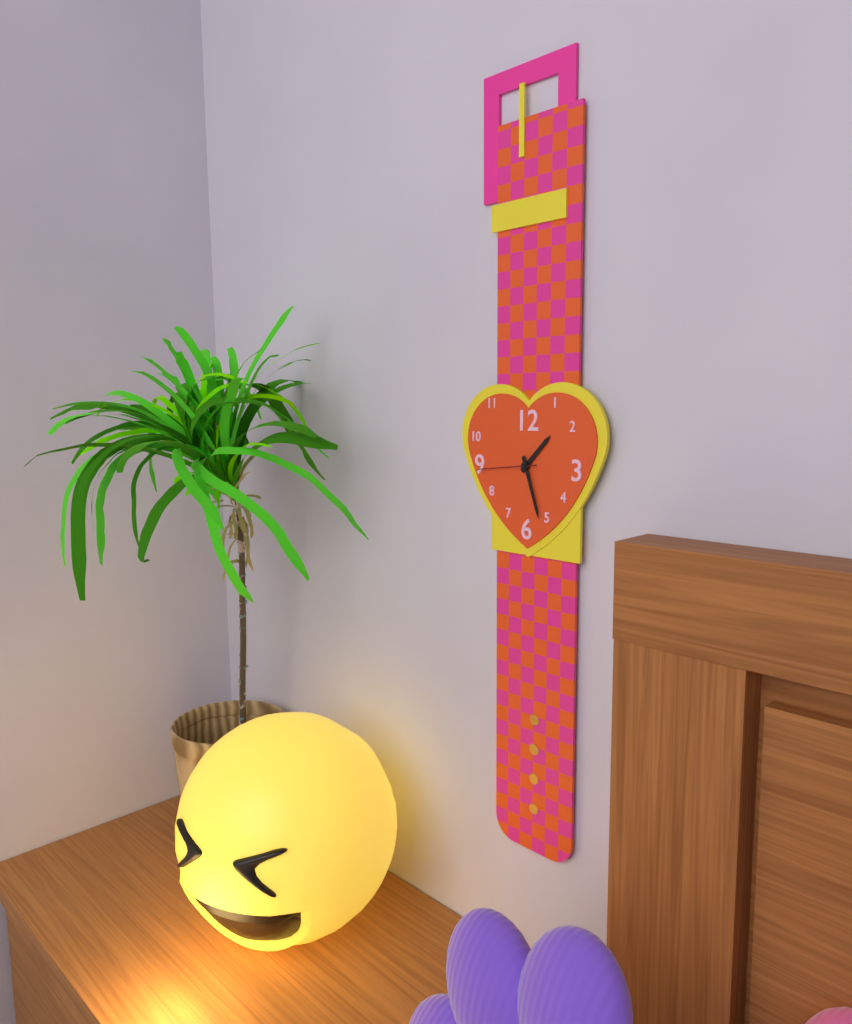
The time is {"hour": 1, "minute": 27, "second": 44}
